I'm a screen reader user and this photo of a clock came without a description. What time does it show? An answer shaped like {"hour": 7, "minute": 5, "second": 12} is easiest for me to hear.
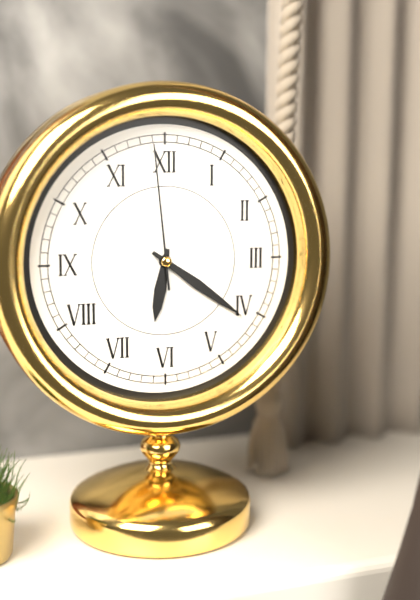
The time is {"hour": 6, "minute": 21, "second": 59}
